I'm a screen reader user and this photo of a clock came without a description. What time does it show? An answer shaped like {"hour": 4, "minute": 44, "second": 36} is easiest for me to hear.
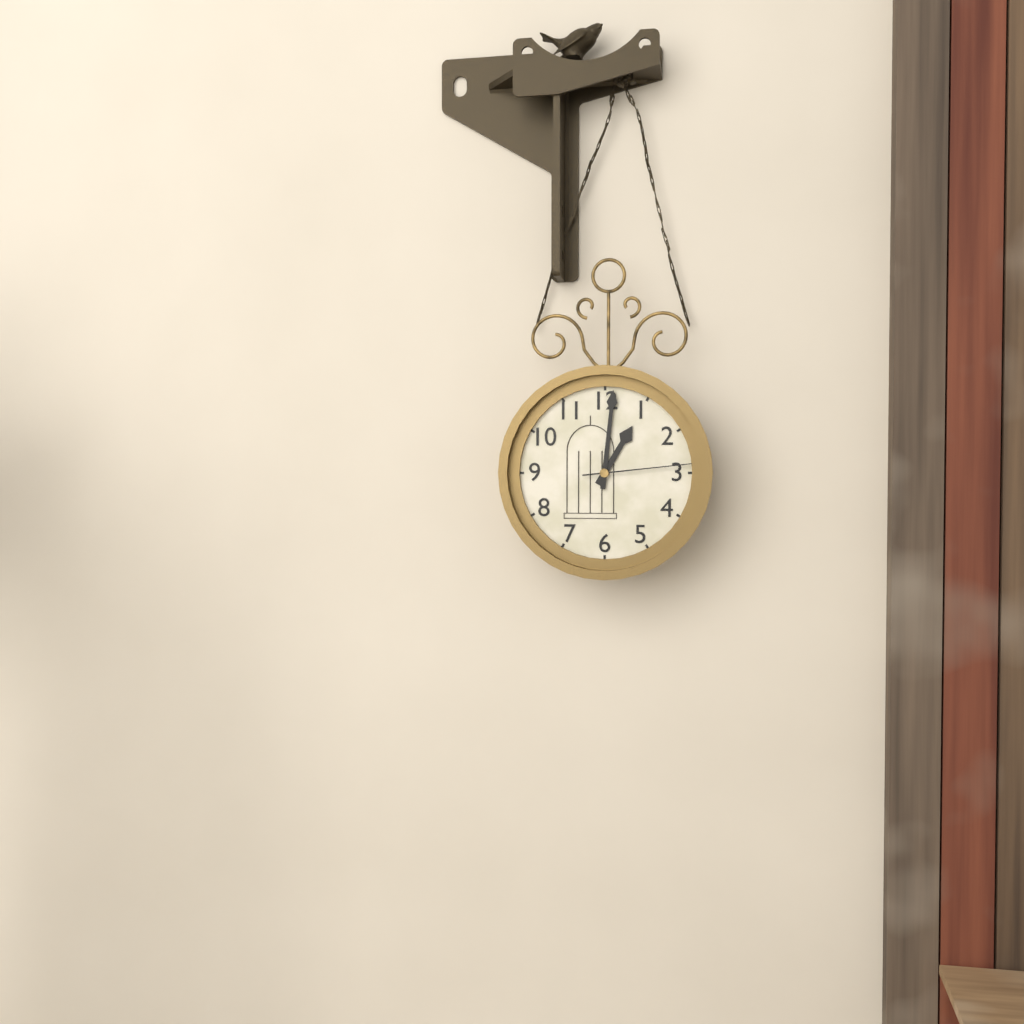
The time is {"hour": 1, "minute": 1, "second": 14}
